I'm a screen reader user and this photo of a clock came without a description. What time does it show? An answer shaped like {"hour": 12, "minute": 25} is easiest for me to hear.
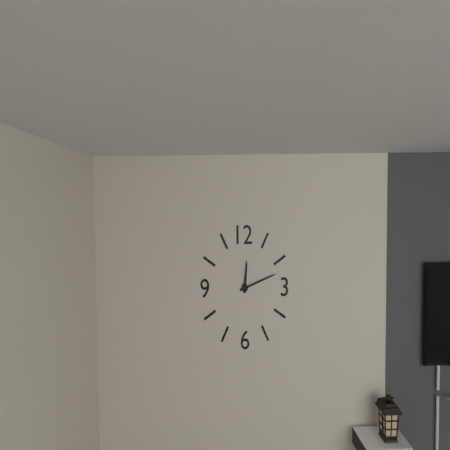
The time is {"hour": 12, "minute": 12}
